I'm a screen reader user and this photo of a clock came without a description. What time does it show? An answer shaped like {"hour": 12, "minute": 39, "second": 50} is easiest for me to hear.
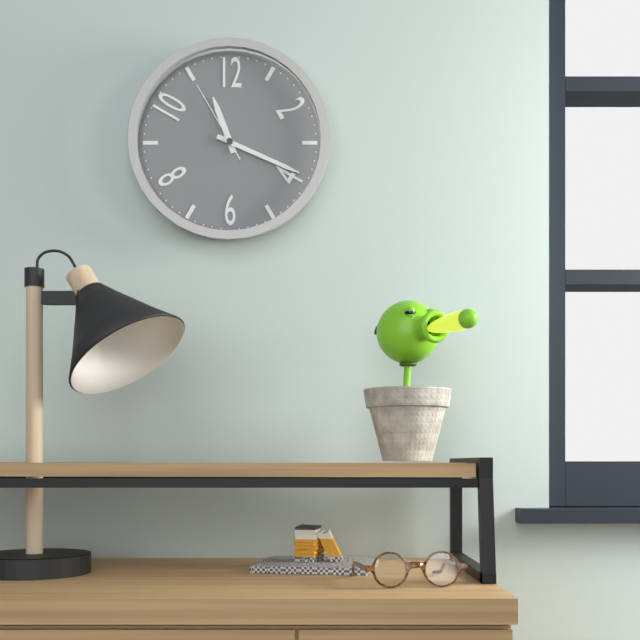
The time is {"hour": 11, "minute": 19, "second": 55}
